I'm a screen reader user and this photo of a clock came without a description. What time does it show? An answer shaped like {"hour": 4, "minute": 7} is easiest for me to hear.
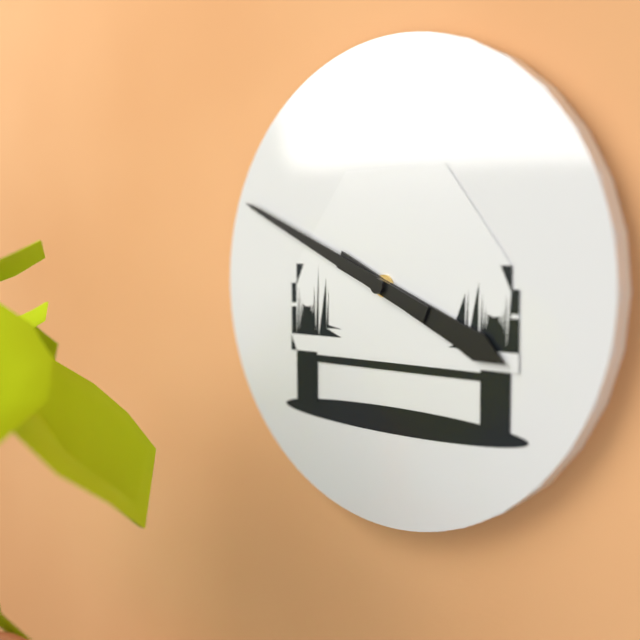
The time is {"hour": 3, "minute": 49}
